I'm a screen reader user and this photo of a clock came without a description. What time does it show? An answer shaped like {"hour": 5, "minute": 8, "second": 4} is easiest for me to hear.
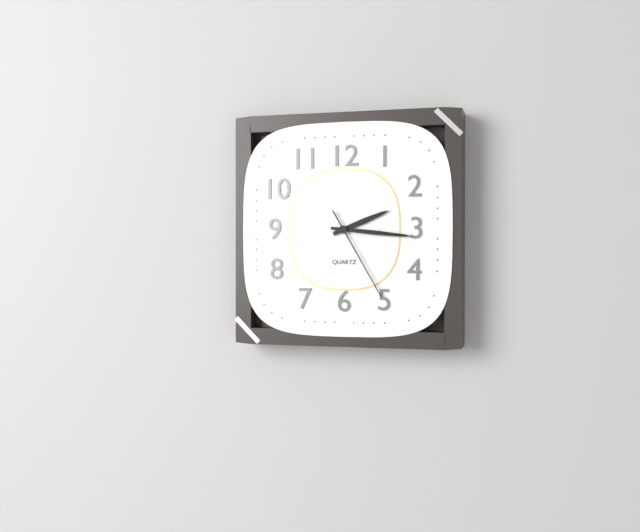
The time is {"hour": 2, "minute": 16, "second": 25}
